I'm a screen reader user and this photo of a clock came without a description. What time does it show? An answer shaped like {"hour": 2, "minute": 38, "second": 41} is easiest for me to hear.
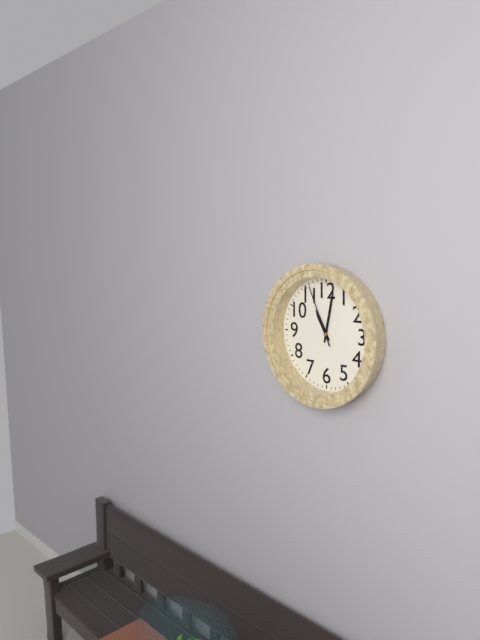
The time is {"hour": 11, "minute": 2, "second": 56}
